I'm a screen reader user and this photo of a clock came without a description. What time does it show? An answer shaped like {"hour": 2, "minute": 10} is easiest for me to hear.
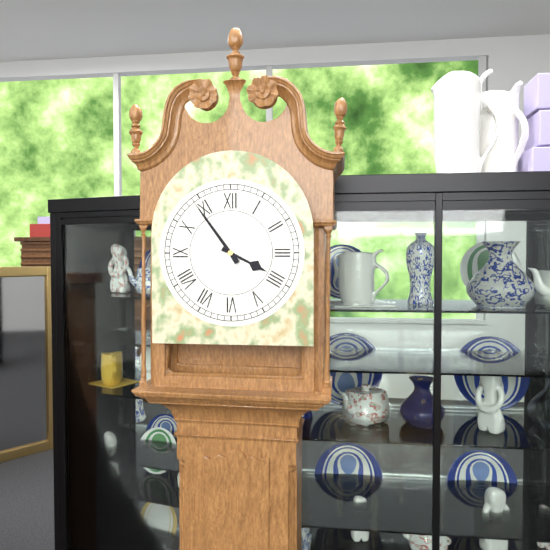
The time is {"hour": 3, "minute": 54}
